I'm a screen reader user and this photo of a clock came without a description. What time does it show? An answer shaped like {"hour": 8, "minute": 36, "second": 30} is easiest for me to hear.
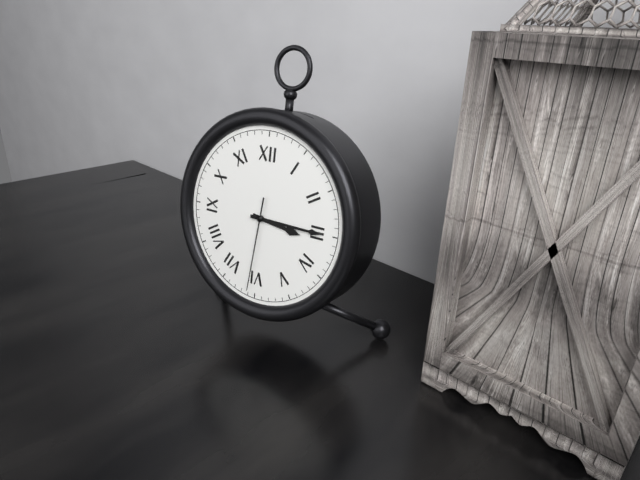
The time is {"hour": 3, "minute": 15, "second": 31}
